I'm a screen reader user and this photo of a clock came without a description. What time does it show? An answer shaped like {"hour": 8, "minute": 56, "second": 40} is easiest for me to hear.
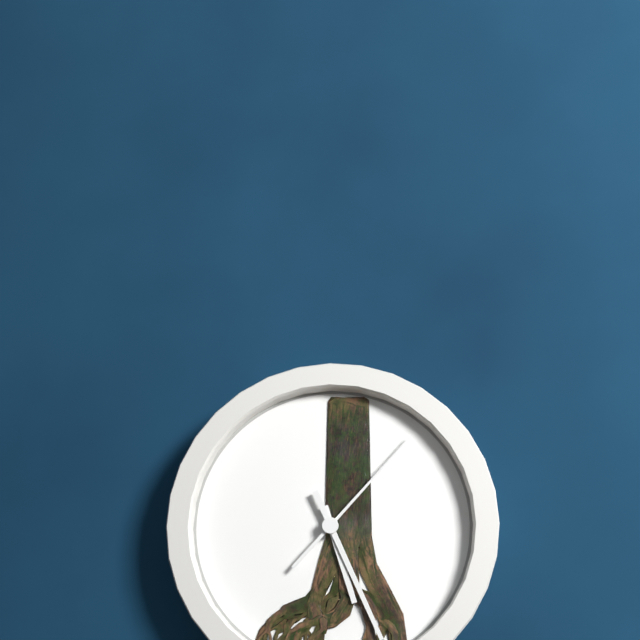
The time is {"hour": 5, "minute": 26, "second": 7}
